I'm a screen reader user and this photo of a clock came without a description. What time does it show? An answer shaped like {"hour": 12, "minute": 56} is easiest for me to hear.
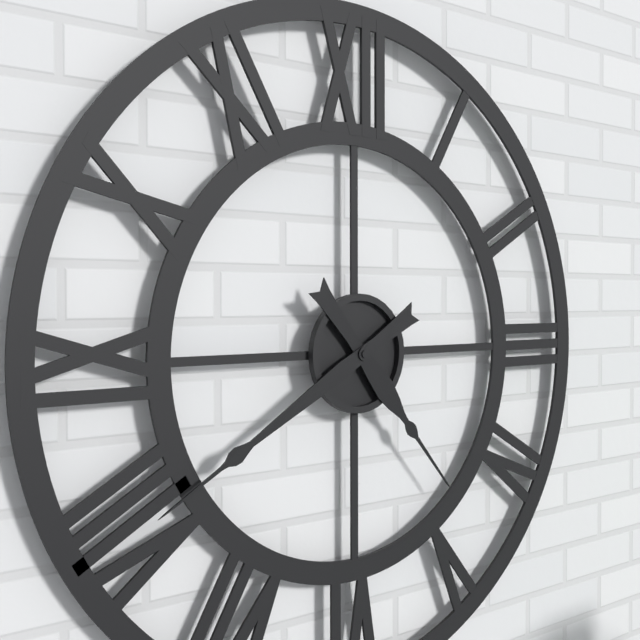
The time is {"hour": 4, "minute": 40}
